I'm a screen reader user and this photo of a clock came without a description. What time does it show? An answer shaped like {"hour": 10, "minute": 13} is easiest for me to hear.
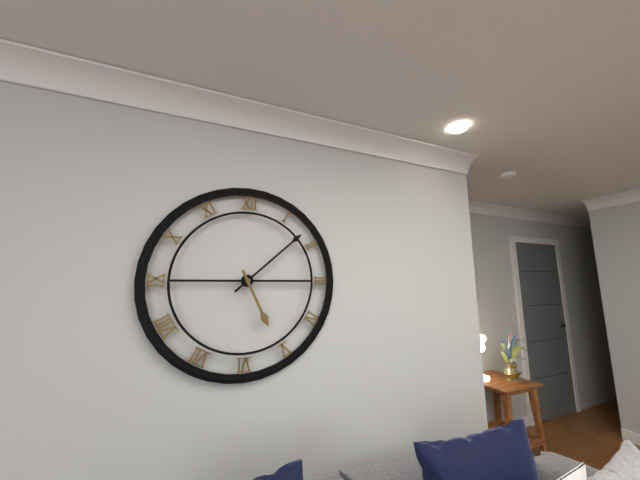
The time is {"hour": 5, "minute": 8}
